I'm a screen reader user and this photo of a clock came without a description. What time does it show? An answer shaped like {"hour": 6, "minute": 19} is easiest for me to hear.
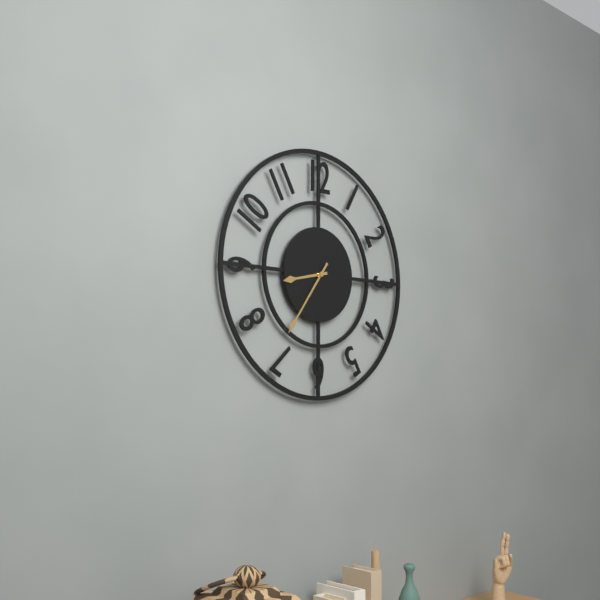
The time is {"hour": 8, "minute": 36}
